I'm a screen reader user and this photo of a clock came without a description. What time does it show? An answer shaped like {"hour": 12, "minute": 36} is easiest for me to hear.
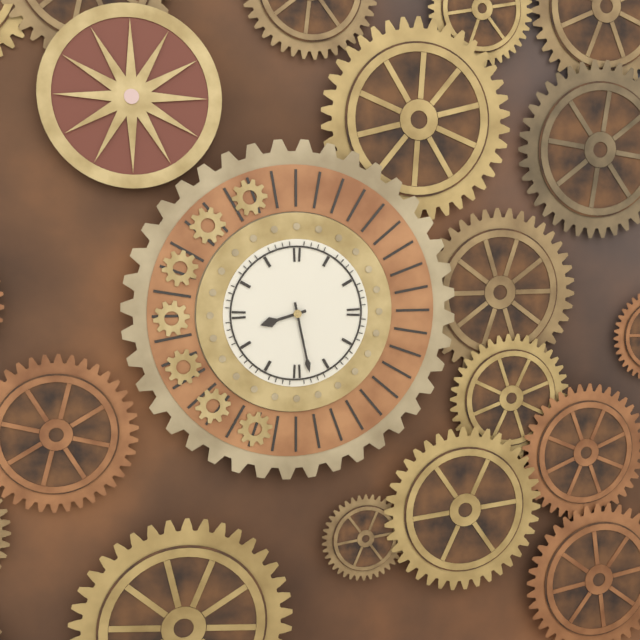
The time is {"hour": 8, "minute": 28}
